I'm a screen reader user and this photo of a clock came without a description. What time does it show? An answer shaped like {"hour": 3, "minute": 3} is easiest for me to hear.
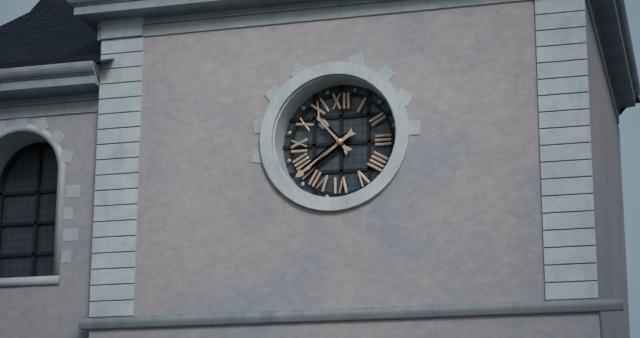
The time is {"hour": 10, "minute": 39}
